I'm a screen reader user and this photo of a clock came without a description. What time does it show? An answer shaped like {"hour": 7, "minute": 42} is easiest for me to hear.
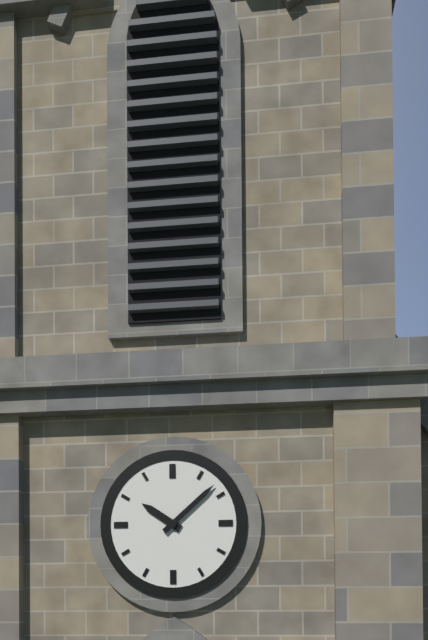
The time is {"hour": 10, "minute": 8}
